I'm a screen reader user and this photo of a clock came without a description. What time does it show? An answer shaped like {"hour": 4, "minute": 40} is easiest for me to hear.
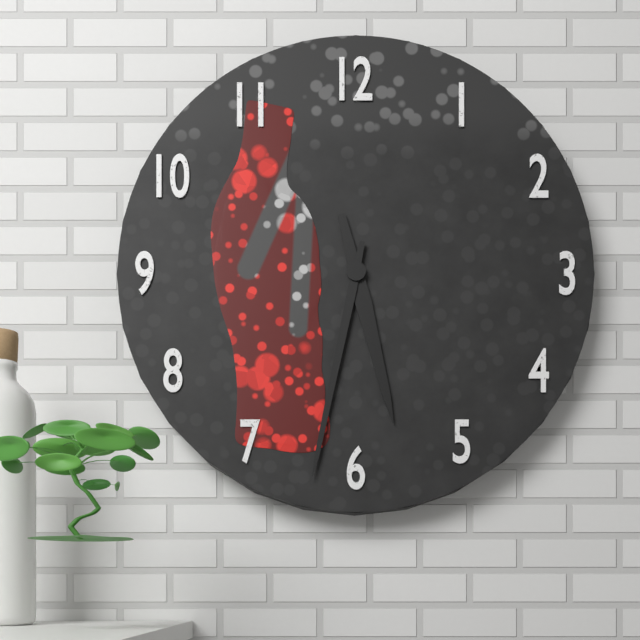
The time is {"hour": 5, "minute": 32}
